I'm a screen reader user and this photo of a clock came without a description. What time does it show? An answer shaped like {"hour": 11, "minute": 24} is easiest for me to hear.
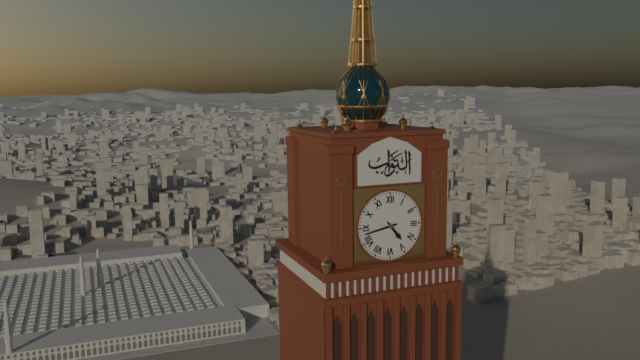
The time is {"hour": 4, "minute": 43}
